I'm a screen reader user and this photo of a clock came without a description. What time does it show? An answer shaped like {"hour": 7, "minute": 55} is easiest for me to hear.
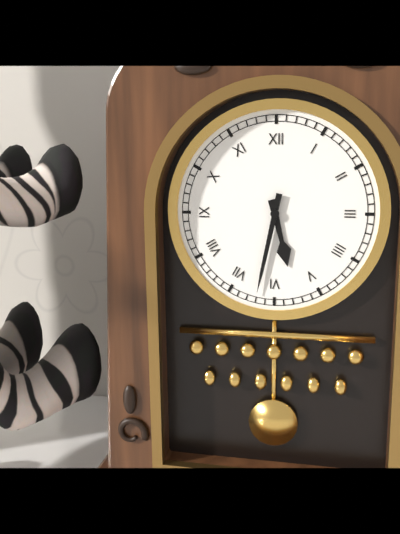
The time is {"hour": 5, "minute": 32}
